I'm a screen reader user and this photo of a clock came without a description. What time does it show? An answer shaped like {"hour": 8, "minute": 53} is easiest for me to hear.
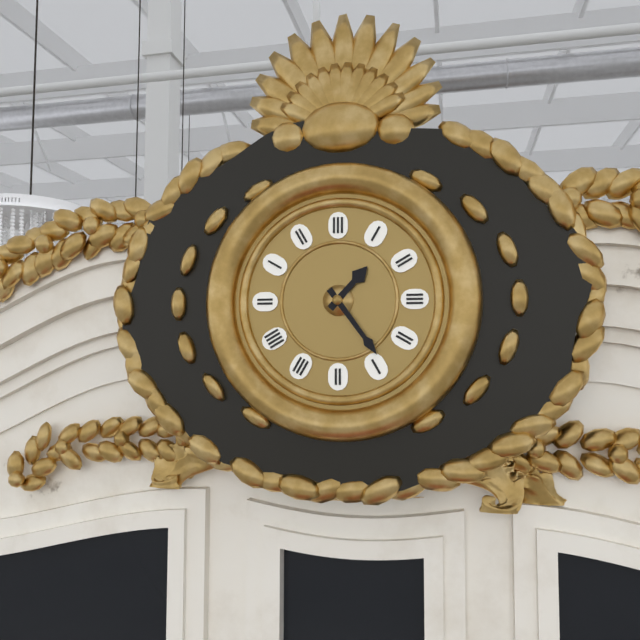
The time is {"hour": 1, "minute": 24}
